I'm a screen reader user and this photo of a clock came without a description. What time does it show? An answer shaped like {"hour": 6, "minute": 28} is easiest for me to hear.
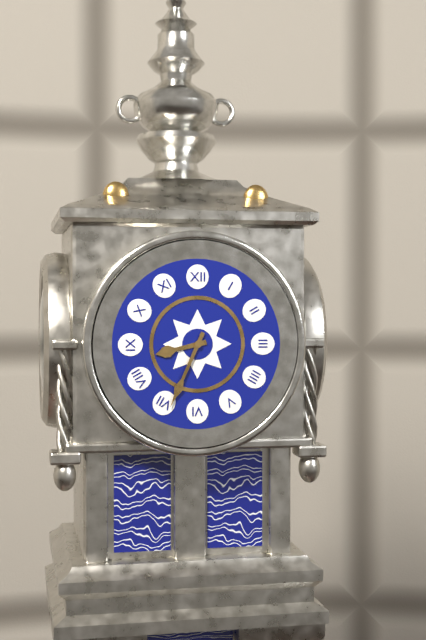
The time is {"hour": 8, "minute": 34}
